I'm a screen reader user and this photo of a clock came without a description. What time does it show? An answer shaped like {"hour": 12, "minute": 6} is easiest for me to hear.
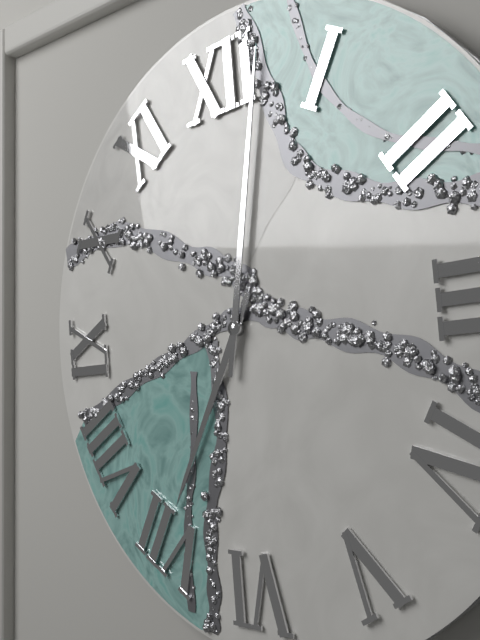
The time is {"hour": 7, "minute": 2}
